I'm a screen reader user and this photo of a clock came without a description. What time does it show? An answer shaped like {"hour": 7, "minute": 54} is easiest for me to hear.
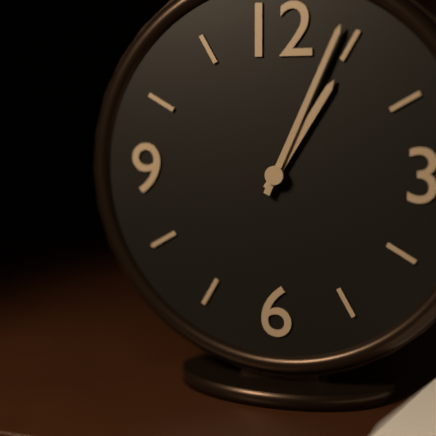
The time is {"hour": 1, "minute": 4}
